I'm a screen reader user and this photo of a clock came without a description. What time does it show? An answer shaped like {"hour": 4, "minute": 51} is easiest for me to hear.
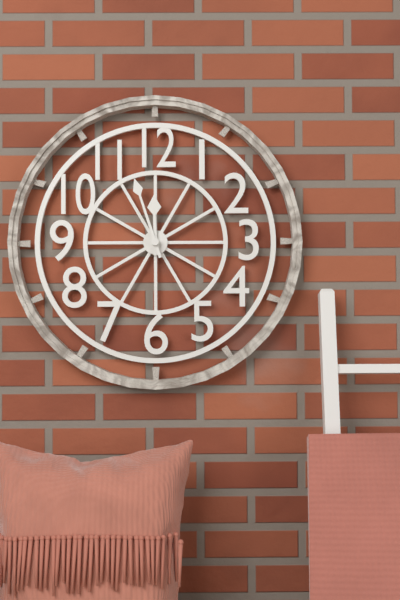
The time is {"hour": 11, "minute": 57}
